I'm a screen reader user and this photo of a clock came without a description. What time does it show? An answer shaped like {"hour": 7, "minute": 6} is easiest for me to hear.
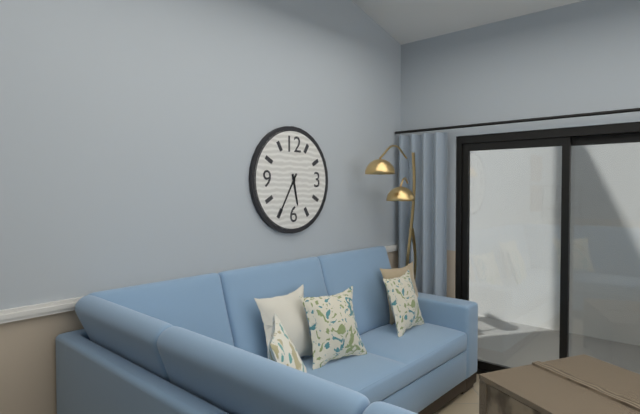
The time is {"hour": 5, "minute": 35}
